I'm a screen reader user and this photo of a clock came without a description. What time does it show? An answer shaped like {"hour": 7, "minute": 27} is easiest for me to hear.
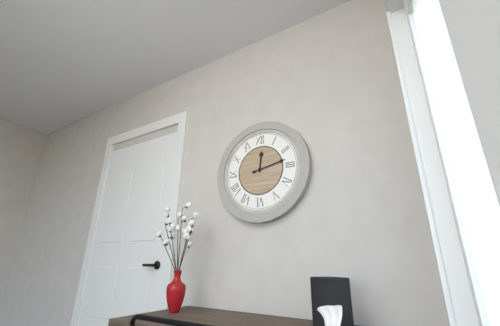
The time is {"hour": 12, "minute": 13}
